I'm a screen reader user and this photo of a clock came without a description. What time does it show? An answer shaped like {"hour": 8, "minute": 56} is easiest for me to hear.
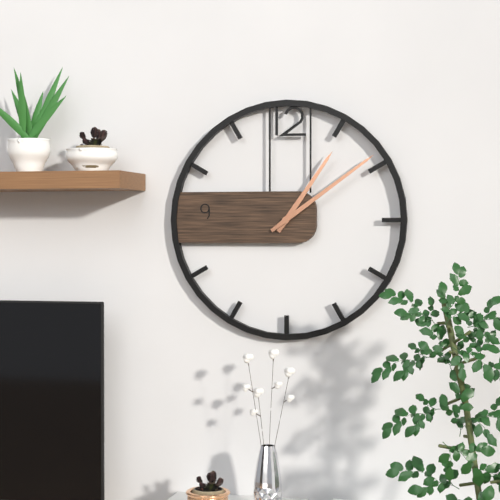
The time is {"hour": 1, "minute": 9}
